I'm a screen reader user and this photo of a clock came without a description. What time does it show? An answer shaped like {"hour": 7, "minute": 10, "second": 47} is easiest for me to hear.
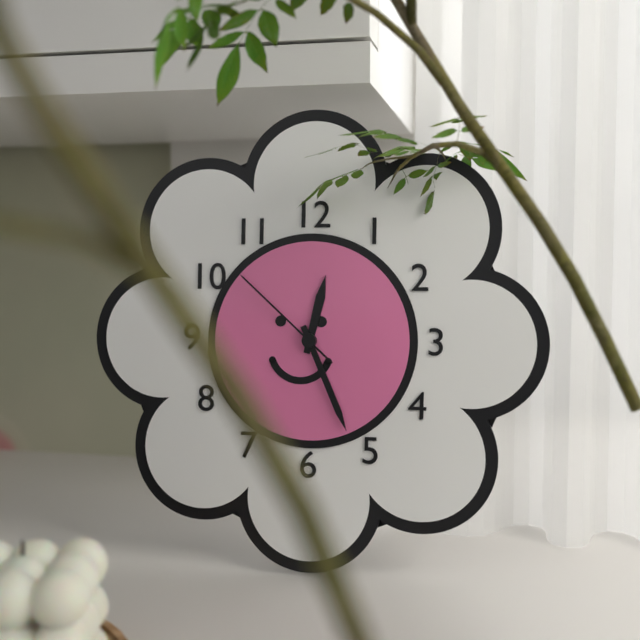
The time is {"hour": 12, "minute": 26, "second": 52}
